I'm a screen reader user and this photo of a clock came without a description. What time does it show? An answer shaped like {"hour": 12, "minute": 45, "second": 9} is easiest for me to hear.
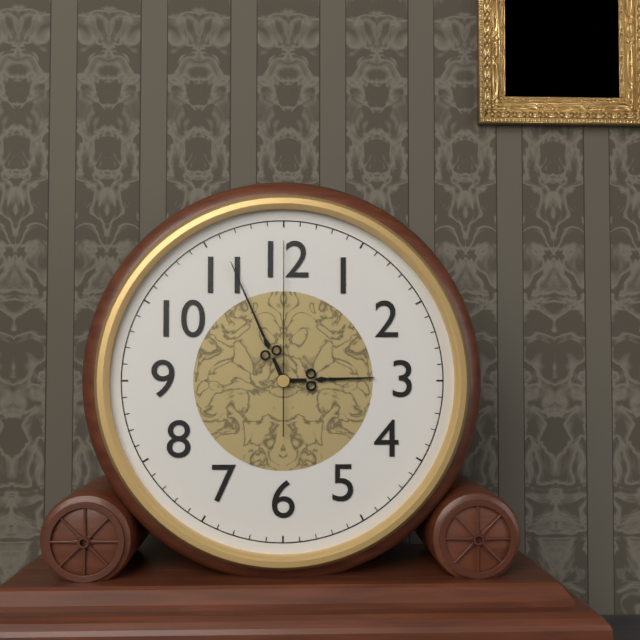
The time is {"hour": 2, "minute": 56, "second": 0}
